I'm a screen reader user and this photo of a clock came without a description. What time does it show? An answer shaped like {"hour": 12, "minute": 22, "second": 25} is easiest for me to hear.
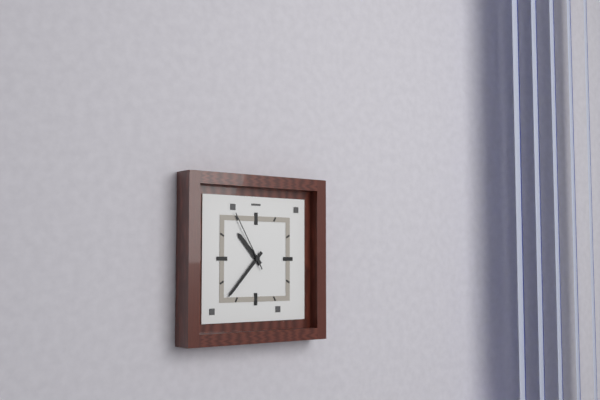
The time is {"hour": 10, "minute": 37, "second": 55}
